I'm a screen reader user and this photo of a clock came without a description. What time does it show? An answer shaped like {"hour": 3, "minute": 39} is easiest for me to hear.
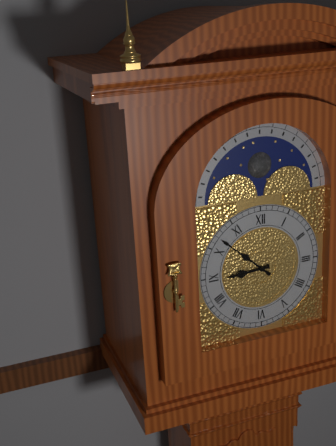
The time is {"hour": 8, "minute": 52}
